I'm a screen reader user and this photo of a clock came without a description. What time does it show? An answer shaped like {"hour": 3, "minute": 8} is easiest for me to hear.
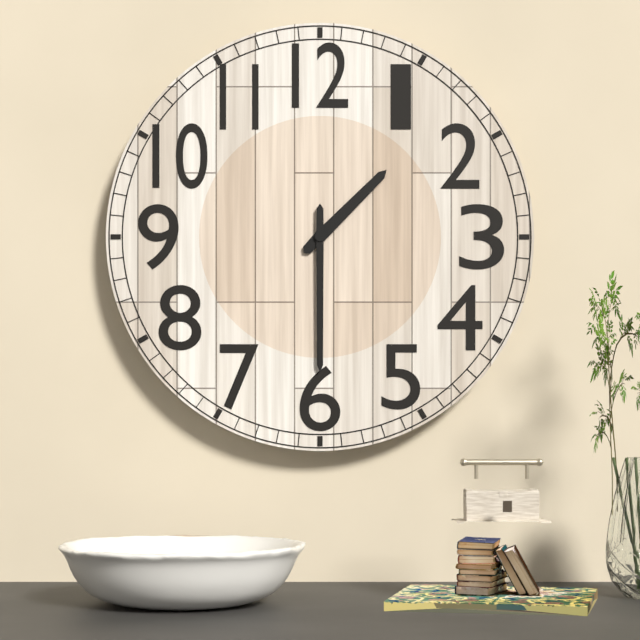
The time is {"hour": 1, "minute": 30}
